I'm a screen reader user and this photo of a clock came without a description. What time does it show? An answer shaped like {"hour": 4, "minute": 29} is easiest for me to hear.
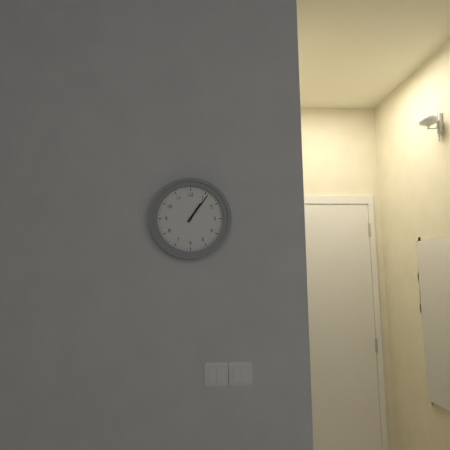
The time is {"hour": 1, "minute": 6}
